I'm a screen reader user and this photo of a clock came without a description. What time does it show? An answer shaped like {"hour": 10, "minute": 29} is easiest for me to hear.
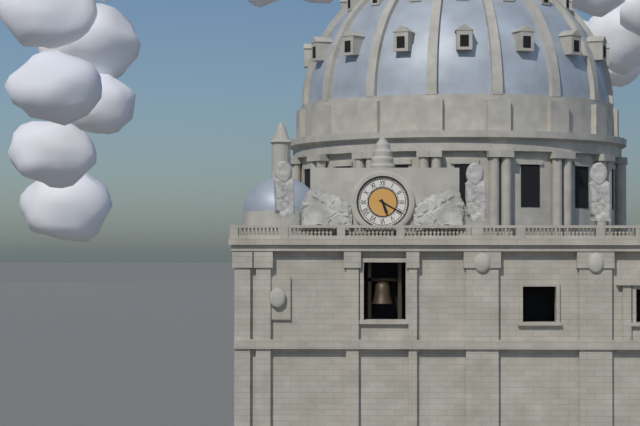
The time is {"hour": 5, "minute": 20}
